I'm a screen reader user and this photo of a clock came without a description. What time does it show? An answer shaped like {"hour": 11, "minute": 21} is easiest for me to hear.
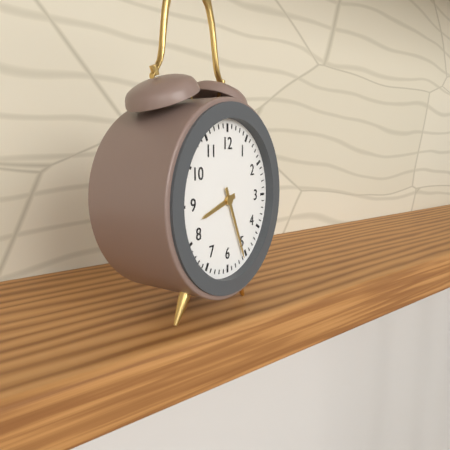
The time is {"hour": 8, "minute": 26}
